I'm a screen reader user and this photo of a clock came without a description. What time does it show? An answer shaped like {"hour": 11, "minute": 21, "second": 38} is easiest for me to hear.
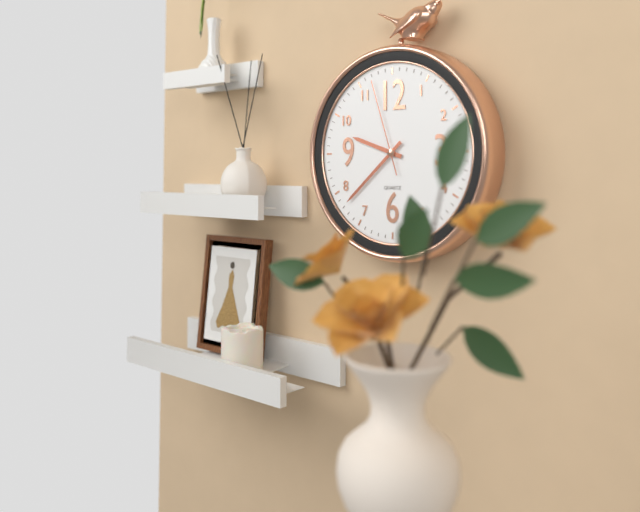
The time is {"hour": 9, "minute": 38, "second": 57}
